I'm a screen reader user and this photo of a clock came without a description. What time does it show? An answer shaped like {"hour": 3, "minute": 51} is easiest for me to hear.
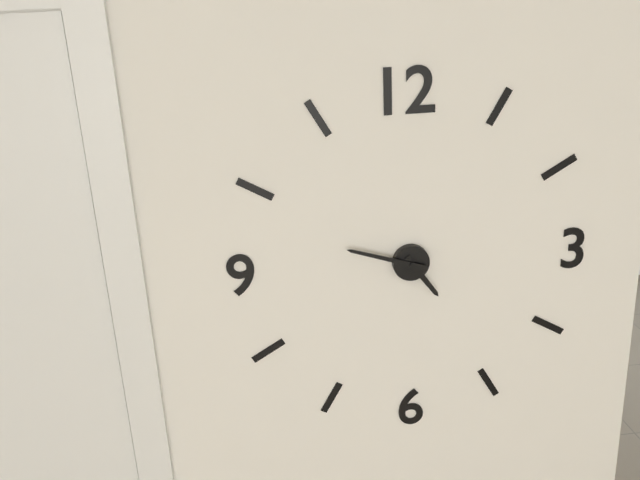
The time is {"hour": 4, "minute": 48}
